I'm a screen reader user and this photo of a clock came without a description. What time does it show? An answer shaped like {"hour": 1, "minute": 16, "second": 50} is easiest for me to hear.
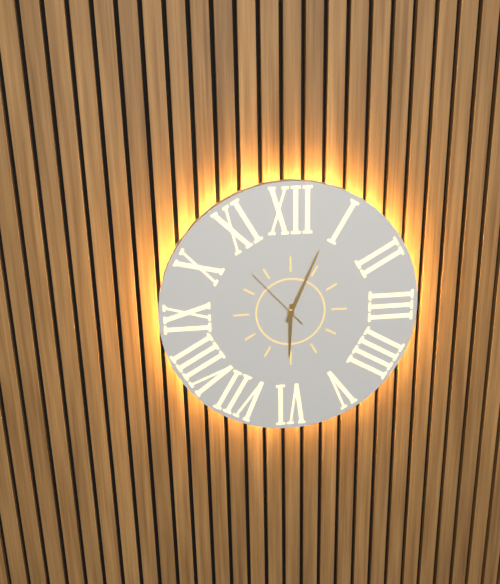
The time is {"hour": 6, "minute": 4, "second": 53}
